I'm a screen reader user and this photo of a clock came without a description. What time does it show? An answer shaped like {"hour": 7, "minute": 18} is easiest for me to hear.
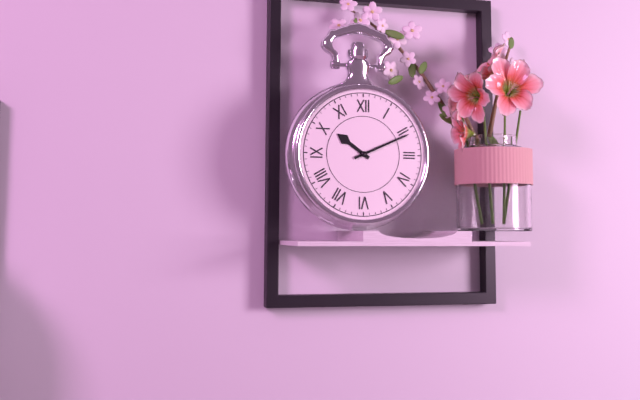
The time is {"hour": 10, "minute": 11}
